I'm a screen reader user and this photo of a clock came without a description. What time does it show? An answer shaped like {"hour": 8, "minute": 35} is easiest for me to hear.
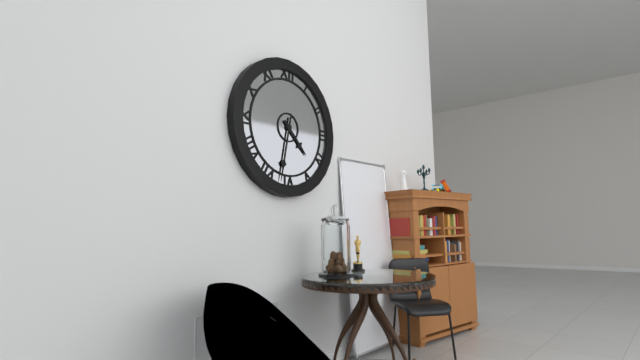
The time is {"hour": 4, "minute": 32}
